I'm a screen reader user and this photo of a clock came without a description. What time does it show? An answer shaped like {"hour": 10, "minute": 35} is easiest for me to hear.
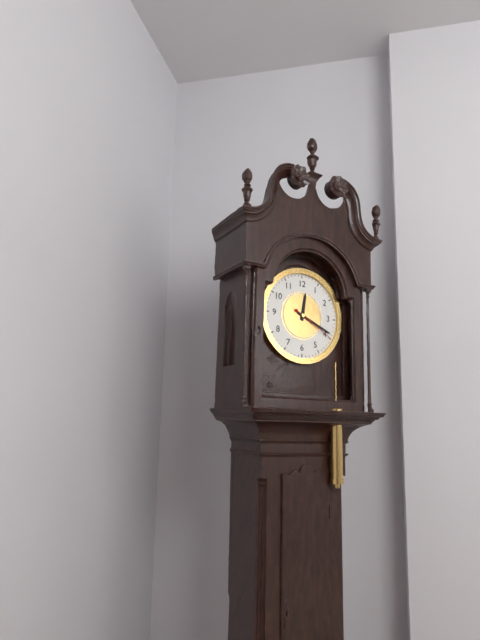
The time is {"hour": 12, "minute": 19}
